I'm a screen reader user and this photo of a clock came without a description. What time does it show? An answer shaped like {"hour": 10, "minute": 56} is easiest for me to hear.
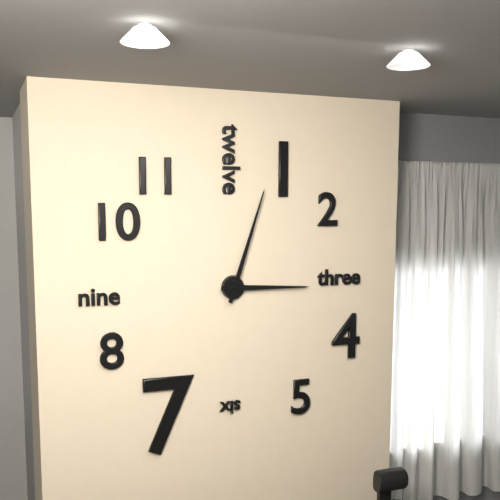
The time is {"hour": 3, "minute": 3}
